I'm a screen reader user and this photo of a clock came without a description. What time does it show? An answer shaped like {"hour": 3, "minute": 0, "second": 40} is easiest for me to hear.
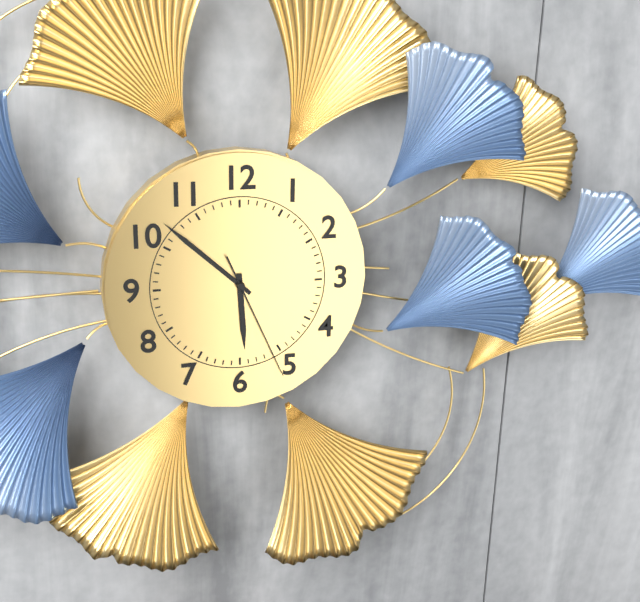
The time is {"hour": 5, "minute": 52, "second": 26}
